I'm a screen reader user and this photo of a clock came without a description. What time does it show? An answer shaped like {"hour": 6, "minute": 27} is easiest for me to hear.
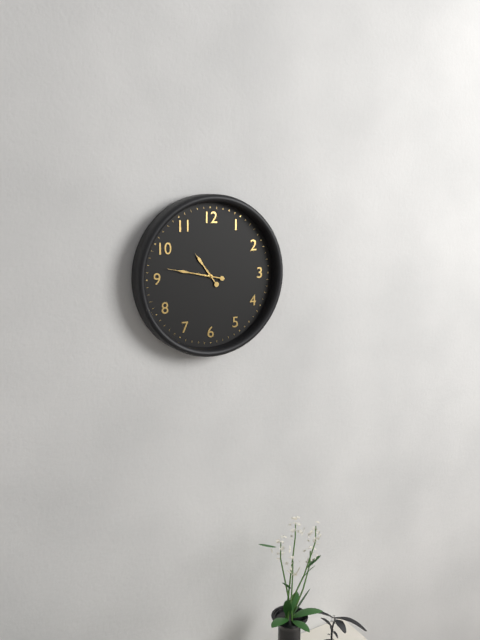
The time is {"hour": 10, "minute": 47}
